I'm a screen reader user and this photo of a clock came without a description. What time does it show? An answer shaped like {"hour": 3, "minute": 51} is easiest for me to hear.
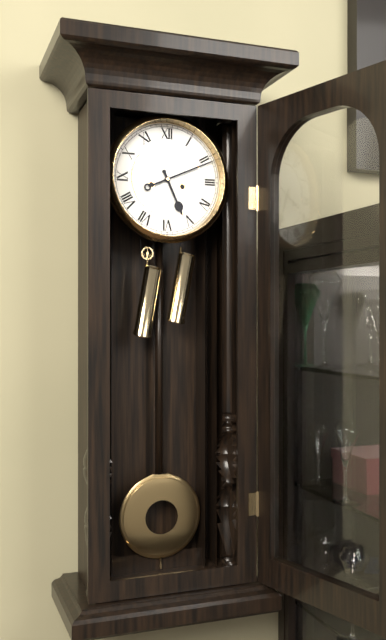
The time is {"hour": 5, "minute": 11}
